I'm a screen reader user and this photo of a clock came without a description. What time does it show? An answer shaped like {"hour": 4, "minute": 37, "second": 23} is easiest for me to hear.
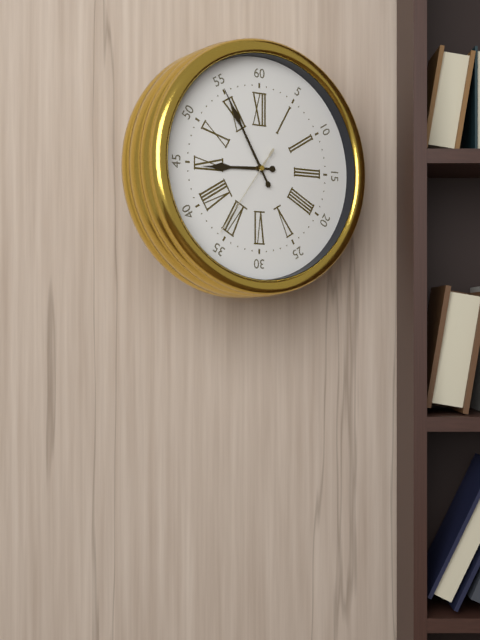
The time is {"hour": 8, "minute": 55, "second": 36}
